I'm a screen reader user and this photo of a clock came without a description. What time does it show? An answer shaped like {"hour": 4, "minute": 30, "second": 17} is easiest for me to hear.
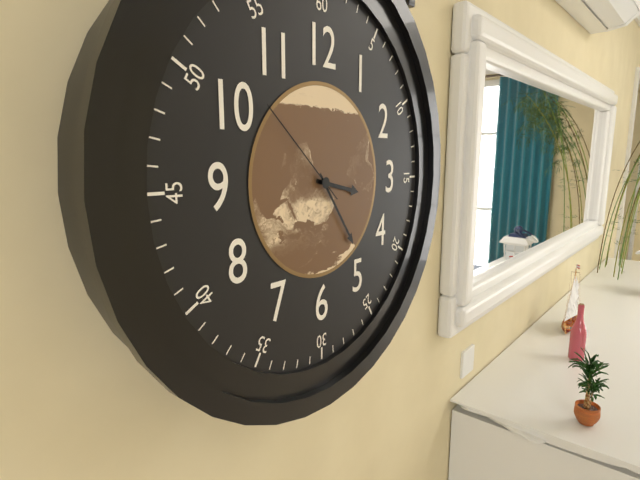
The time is {"hour": 3, "minute": 24, "second": 52}
